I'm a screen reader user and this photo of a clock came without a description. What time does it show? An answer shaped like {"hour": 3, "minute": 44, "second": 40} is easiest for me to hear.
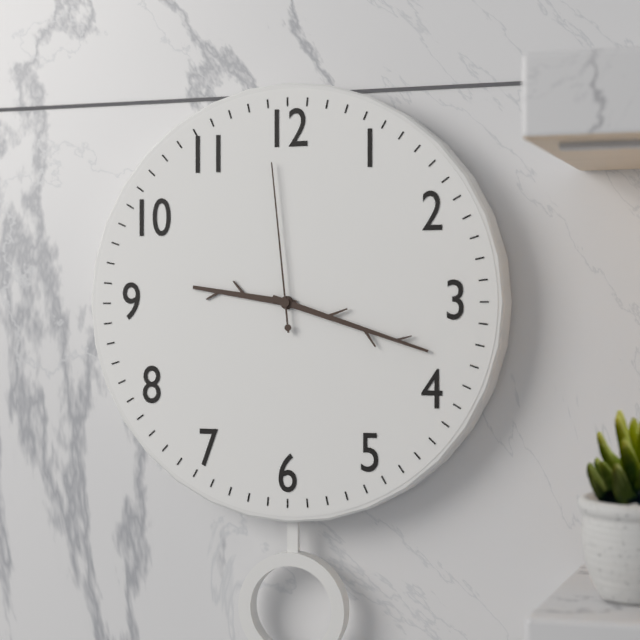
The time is {"hour": 9, "minute": 18, "second": 59}
